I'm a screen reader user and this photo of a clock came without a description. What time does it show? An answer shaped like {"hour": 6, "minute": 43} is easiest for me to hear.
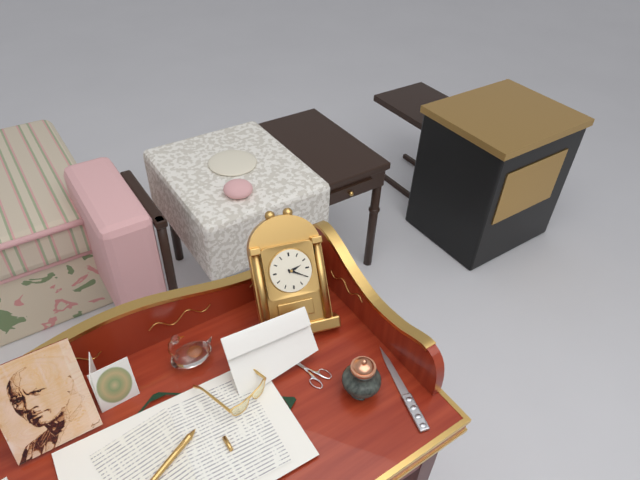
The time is {"hour": 2, "minute": 20}
